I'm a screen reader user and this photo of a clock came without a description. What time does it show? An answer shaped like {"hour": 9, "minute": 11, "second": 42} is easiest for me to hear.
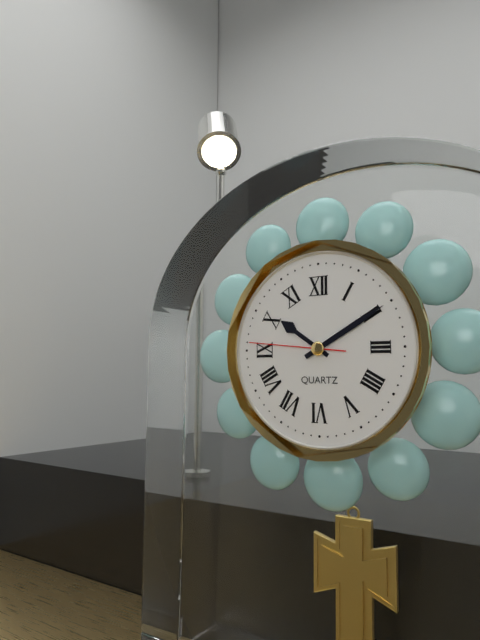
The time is {"hour": 10, "minute": 10, "second": 46}
